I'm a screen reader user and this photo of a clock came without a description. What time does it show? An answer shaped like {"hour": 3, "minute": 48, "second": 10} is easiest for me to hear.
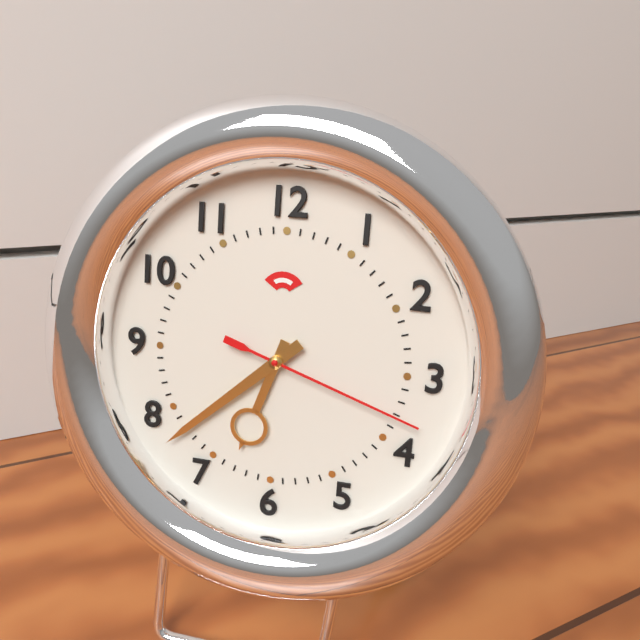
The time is {"hour": 6, "minute": 38, "second": 18}
